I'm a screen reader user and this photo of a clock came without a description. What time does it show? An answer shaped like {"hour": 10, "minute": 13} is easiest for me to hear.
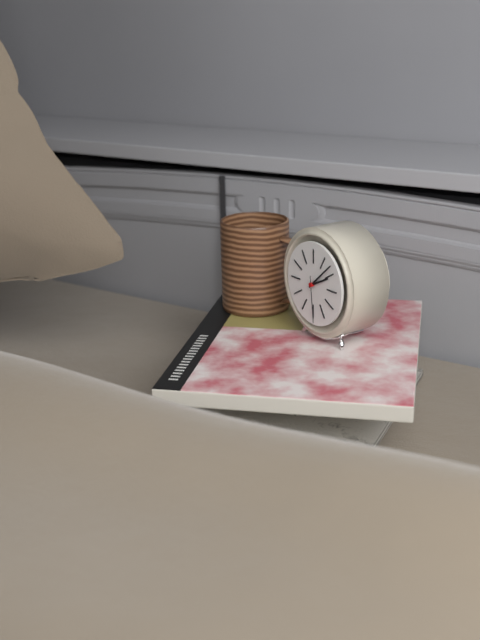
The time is {"hour": 2, "minute": 8}
